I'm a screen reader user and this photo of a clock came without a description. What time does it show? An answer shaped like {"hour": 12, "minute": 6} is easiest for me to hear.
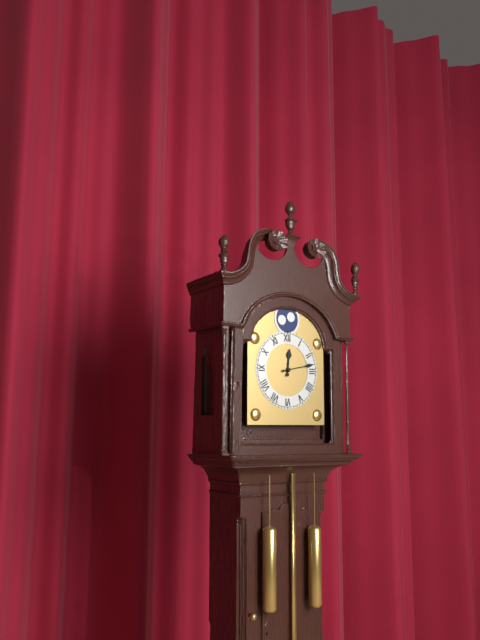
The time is {"hour": 12, "minute": 13}
